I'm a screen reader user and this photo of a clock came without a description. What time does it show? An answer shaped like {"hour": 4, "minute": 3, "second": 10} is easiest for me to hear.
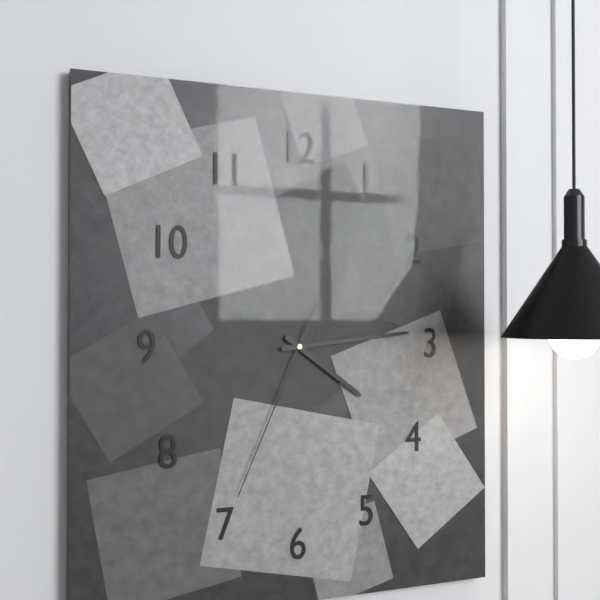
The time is {"hour": 4, "minute": 14, "second": 34}
